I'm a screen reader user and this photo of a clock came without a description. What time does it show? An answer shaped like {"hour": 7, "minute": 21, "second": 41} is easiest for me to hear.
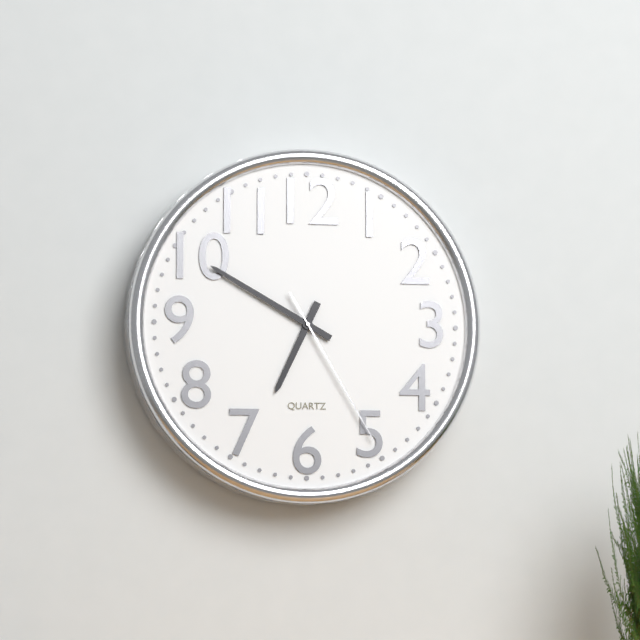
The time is {"hour": 6, "minute": 50, "second": 25}
